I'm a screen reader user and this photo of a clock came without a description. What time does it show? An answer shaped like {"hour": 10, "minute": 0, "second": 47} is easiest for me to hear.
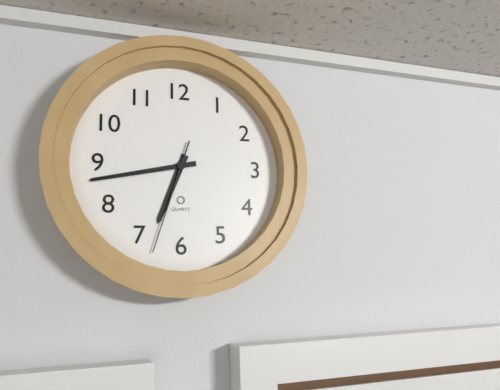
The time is {"hour": 6, "minute": 43, "second": 33}
